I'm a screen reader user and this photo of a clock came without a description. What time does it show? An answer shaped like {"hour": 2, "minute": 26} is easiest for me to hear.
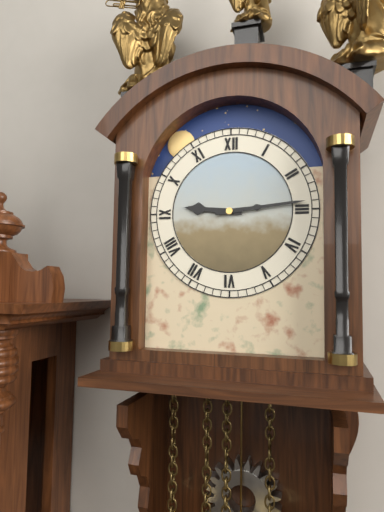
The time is {"hour": 9, "minute": 14}
